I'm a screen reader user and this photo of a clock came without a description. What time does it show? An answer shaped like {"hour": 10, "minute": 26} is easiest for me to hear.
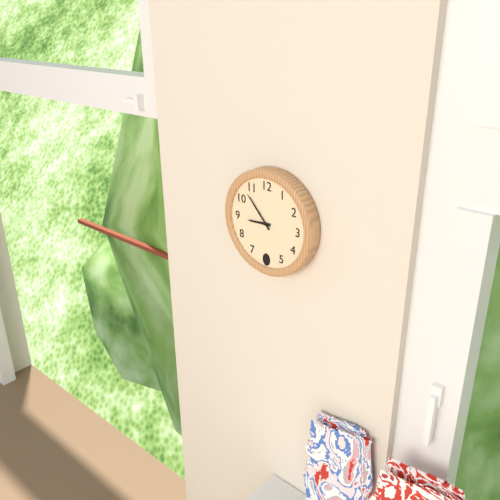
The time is {"hour": 8, "minute": 53}
